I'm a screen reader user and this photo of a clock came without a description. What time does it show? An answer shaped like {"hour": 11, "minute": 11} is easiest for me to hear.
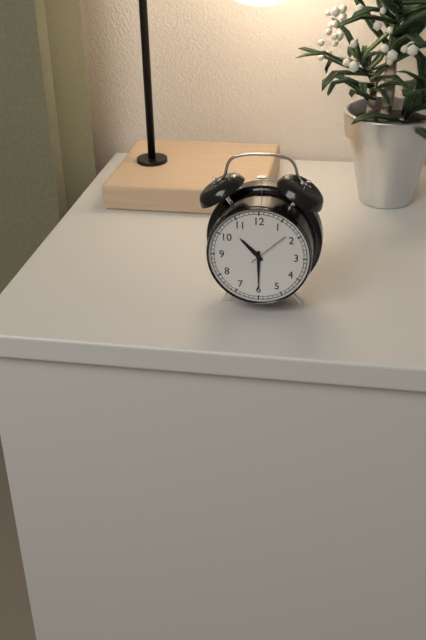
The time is {"hour": 10, "minute": 30}
